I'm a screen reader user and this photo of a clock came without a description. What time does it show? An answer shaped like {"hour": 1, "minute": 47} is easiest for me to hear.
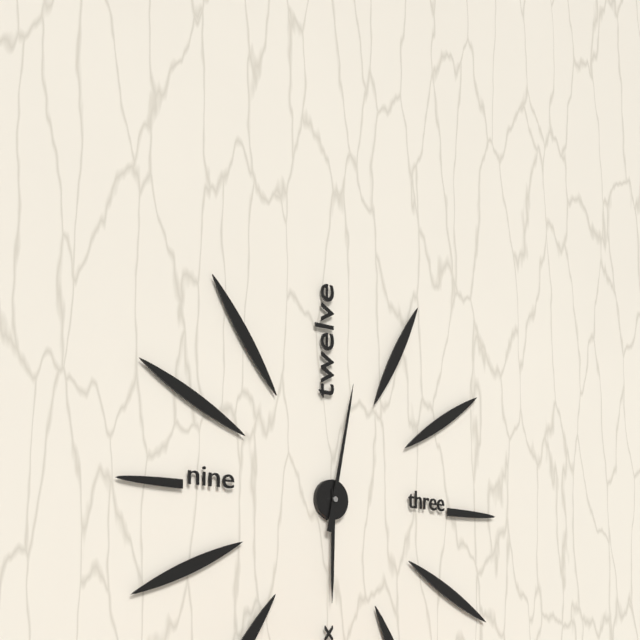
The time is {"hour": 6, "minute": 2}
